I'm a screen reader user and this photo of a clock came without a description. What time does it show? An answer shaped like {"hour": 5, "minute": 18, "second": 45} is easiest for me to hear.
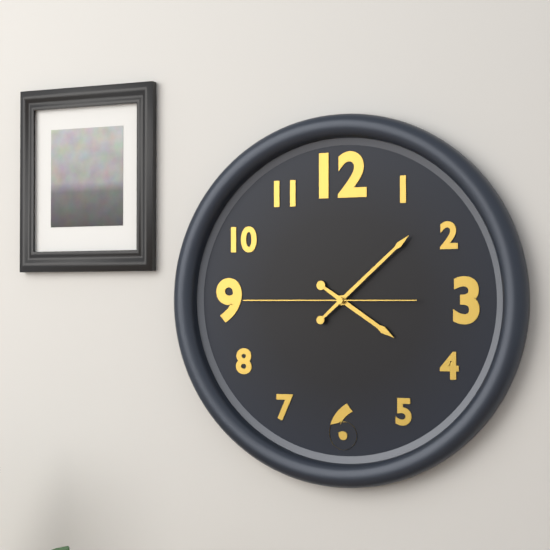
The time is {"hour": 4, "minute": 8, "second": 45}
